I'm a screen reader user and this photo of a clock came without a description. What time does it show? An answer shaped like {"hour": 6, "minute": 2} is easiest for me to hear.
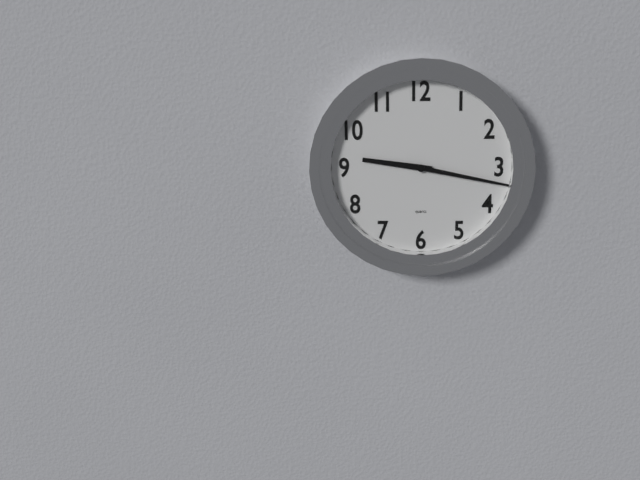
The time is {"hour": 9, "minute": 17}
